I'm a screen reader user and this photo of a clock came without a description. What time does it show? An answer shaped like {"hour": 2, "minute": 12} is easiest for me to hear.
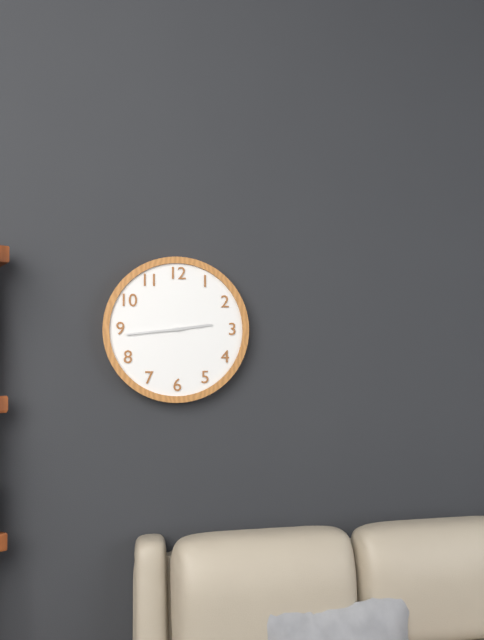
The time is {"hour": 2, "minute": 44}
